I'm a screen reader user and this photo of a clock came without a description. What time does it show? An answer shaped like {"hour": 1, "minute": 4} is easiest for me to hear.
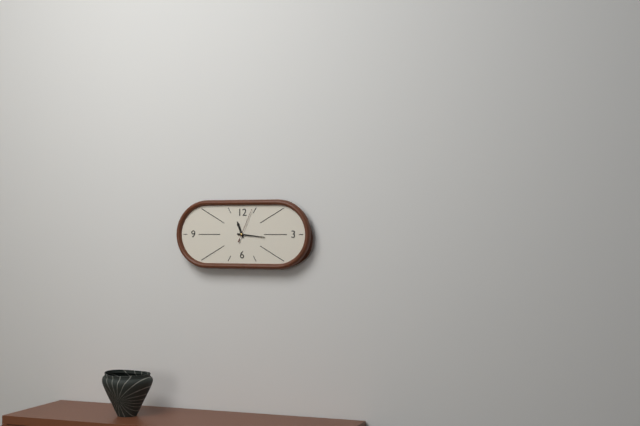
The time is {"hour": 11, "minute": 16}
